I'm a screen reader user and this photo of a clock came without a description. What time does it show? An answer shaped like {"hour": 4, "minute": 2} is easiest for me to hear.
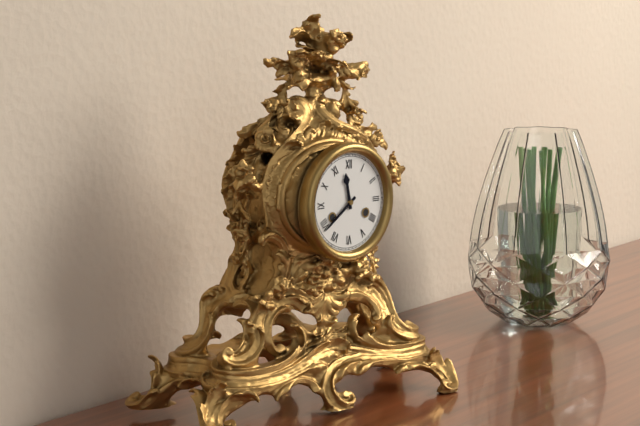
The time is {"hour": 11, "minute": 39}
